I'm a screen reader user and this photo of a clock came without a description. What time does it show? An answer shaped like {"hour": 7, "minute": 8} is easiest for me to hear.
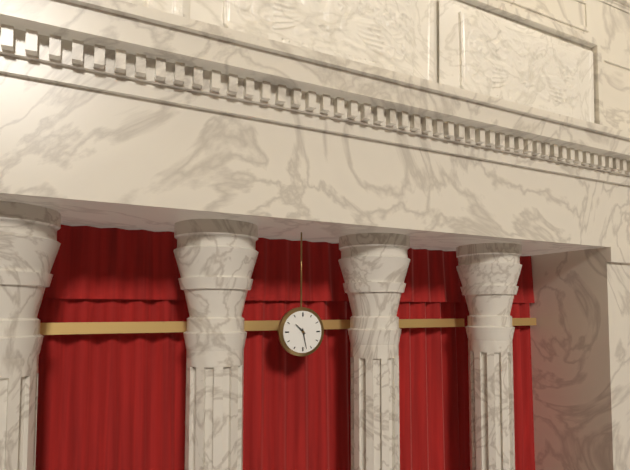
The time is {"hour": 10, "minute": 28}
